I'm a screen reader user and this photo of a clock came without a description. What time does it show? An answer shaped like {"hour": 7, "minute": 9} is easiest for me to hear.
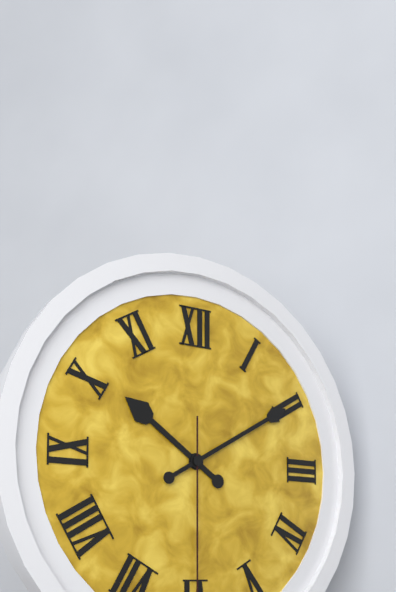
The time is {"hour": 10, "minute": 10}
